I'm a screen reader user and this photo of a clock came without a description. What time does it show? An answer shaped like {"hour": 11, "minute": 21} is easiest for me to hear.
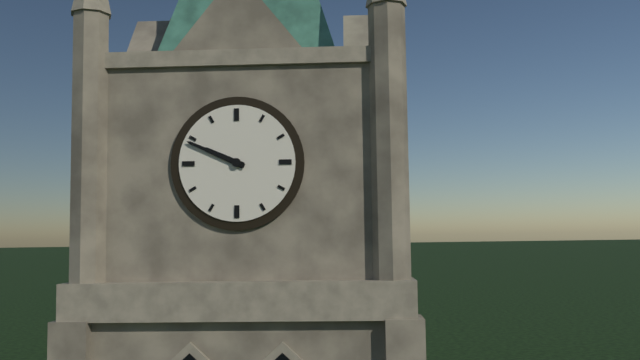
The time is {"hour": 9, "minute": 49}
